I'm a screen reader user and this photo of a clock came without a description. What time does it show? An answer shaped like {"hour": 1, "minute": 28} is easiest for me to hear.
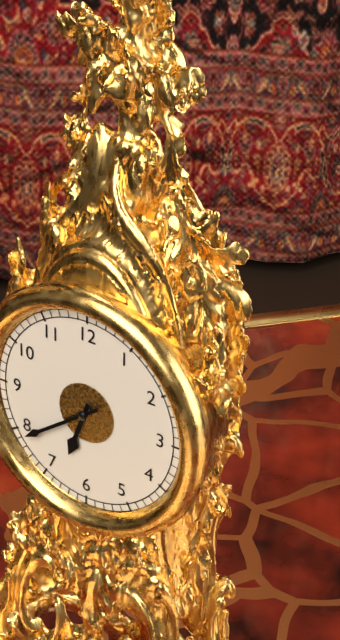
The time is {"hour": 6, "minute": 39}
